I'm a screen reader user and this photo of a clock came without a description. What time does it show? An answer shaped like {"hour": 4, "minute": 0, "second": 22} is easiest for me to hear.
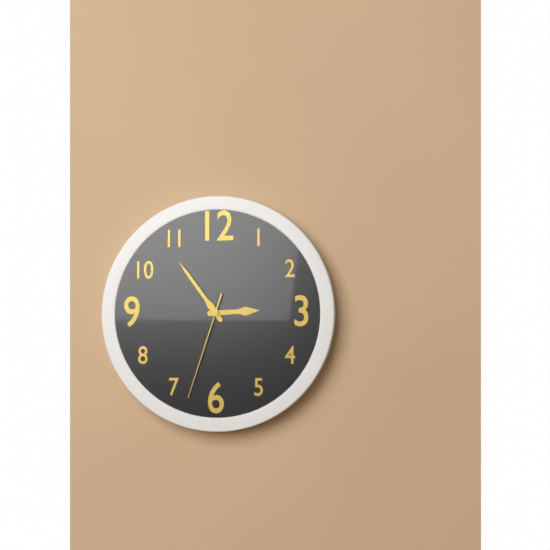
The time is {"hour": 2, "minute": 54, "second": 33}
